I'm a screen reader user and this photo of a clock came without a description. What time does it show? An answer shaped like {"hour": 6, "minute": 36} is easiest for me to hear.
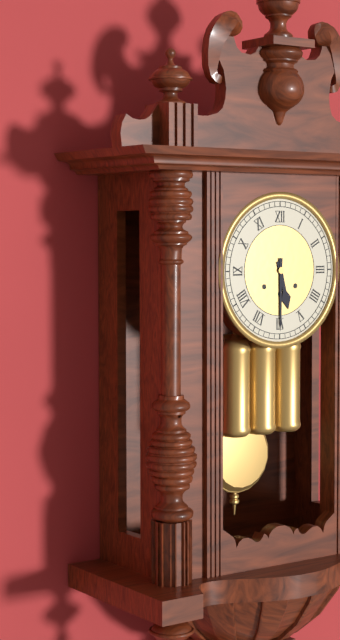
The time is {"hour": 5, "minute": 30}
